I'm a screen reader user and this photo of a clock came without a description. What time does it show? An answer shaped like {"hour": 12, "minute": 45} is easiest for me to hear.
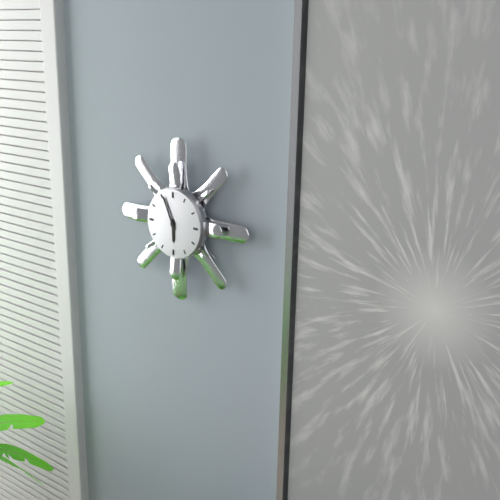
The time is {"hour": 5, "minute": 56}
